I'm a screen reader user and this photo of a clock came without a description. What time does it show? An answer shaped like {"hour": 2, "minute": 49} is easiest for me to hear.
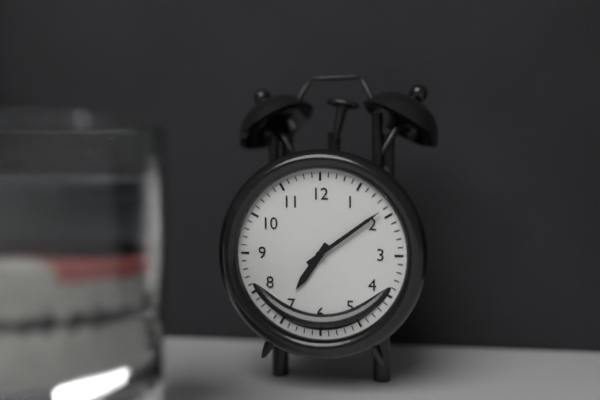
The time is {"hour": 7, "minute": 9}
